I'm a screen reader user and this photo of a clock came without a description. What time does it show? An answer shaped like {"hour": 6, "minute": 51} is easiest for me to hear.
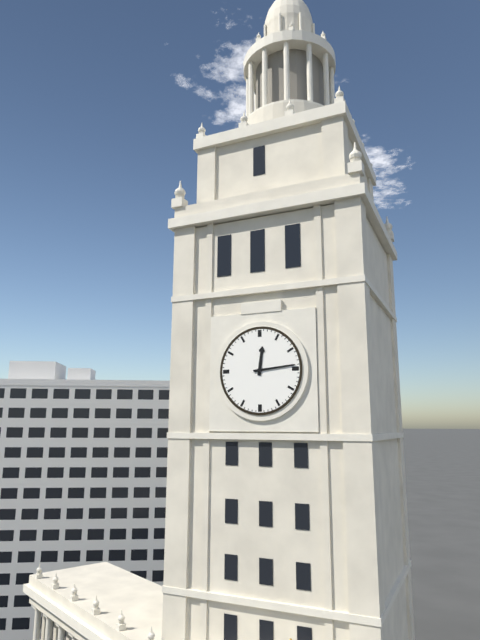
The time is {"hour": 12, "minute": 14}
